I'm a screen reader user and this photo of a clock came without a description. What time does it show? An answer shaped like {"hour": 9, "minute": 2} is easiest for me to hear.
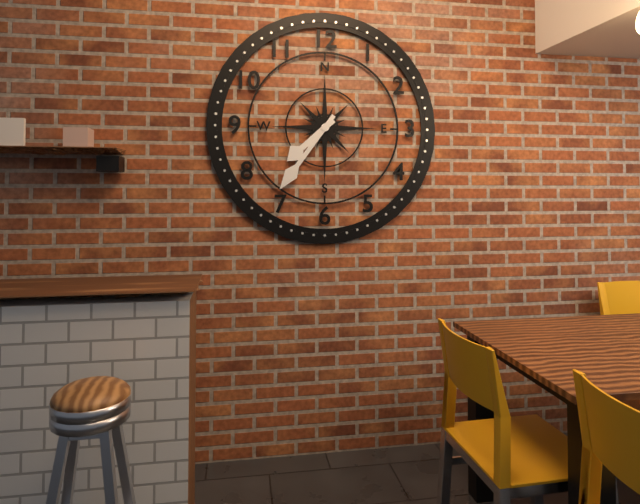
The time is {"hour": 7, "minute": 36}
